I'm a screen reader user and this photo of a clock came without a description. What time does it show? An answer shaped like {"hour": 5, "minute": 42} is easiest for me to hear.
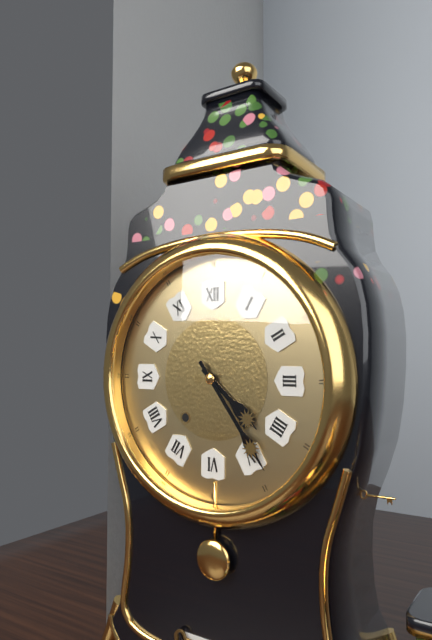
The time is {"hour": 4, "minute": 24}
